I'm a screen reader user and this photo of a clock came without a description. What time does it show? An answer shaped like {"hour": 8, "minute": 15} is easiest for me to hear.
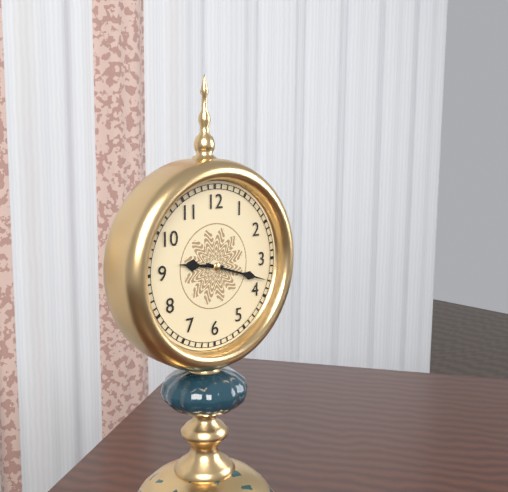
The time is {"hour": 9, "minute": 18}
